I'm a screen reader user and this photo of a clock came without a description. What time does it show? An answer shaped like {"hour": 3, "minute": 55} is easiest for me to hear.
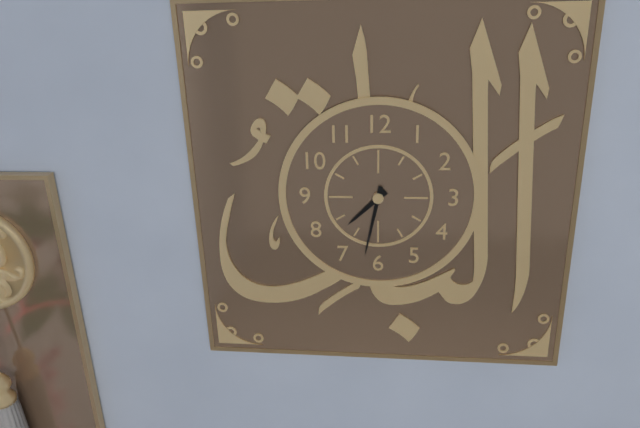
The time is {"hour": 7, "minute": 32}
